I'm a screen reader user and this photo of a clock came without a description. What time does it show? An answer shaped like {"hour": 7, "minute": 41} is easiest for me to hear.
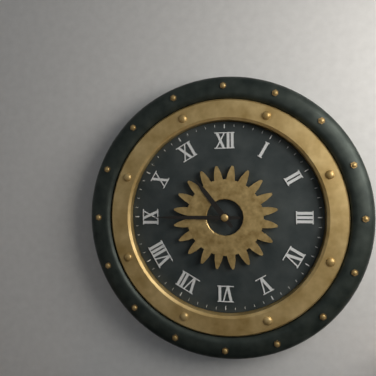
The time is {"hour": 10, "minute": 45}
